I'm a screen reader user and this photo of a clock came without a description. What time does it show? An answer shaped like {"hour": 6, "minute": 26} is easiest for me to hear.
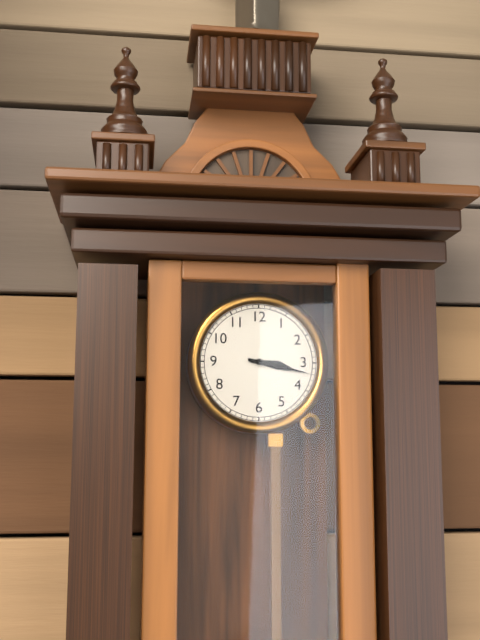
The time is {"hour": 3, "minute": 17}
